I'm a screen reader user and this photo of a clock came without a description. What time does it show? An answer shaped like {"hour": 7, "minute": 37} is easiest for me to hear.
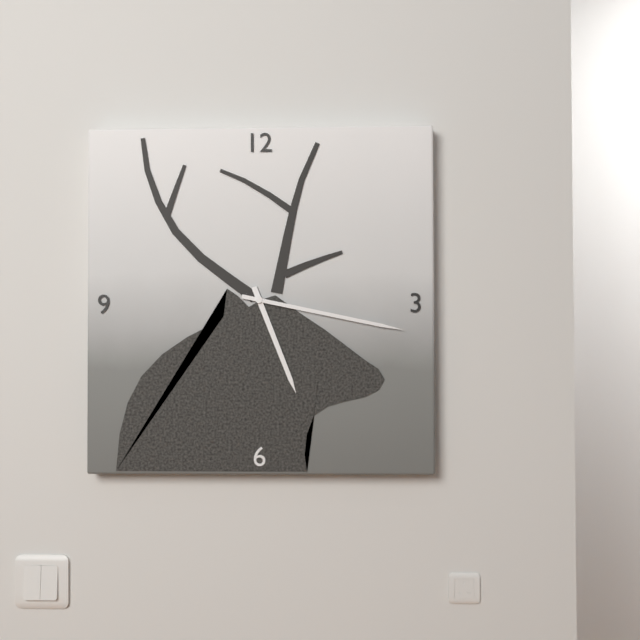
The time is {"hour": 5, "minute": 17}
